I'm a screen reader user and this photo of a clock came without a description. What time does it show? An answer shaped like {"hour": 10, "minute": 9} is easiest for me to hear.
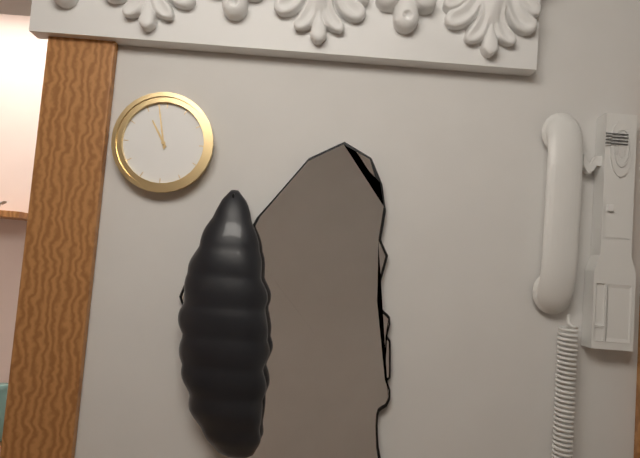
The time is {"hour": 10, "minute": 58}
